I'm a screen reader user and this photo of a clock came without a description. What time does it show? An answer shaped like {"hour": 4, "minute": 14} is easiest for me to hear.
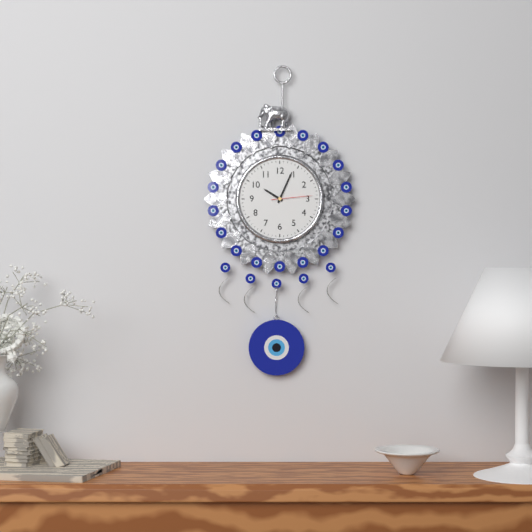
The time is {"hour": 10, "minute": 4}
